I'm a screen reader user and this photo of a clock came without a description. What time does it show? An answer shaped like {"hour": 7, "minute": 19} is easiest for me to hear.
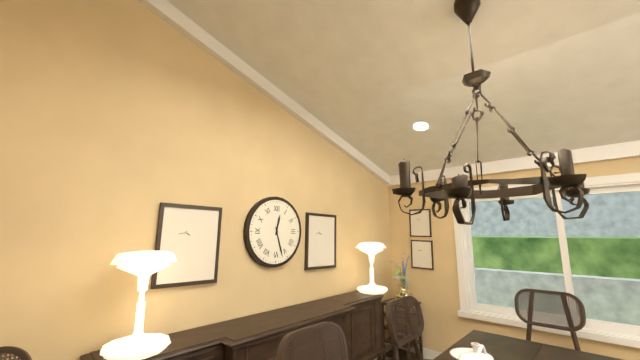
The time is {"hour": 12, "minute": 27}
